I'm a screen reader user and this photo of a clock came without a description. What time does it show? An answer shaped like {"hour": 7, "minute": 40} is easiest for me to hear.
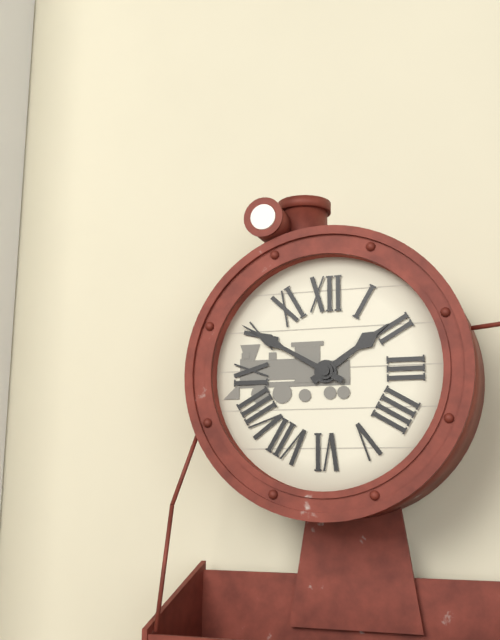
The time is {"hour": 1, "minute": 50}
